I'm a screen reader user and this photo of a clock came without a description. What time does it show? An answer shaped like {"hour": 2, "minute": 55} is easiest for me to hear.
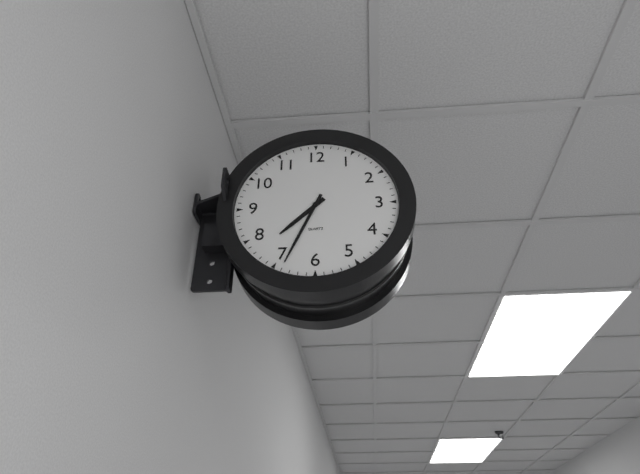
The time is {"hour": 7, "minute": 34}
